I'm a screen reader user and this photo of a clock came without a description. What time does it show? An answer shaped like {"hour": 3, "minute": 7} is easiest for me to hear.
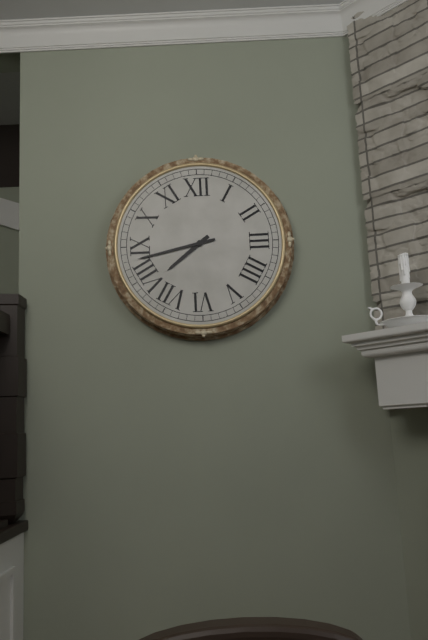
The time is {"hour": 7, "minute": 43}
